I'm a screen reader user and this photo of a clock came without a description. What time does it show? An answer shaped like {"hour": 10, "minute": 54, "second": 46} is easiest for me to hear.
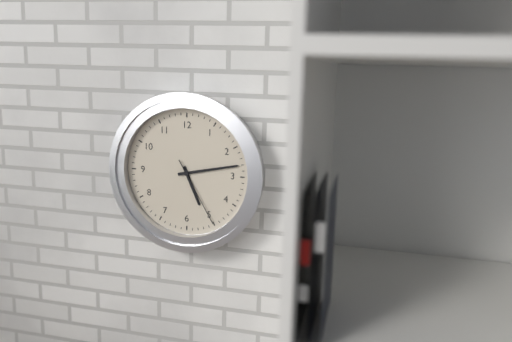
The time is {"hour": 5, "minute": 13, "second": 25}
